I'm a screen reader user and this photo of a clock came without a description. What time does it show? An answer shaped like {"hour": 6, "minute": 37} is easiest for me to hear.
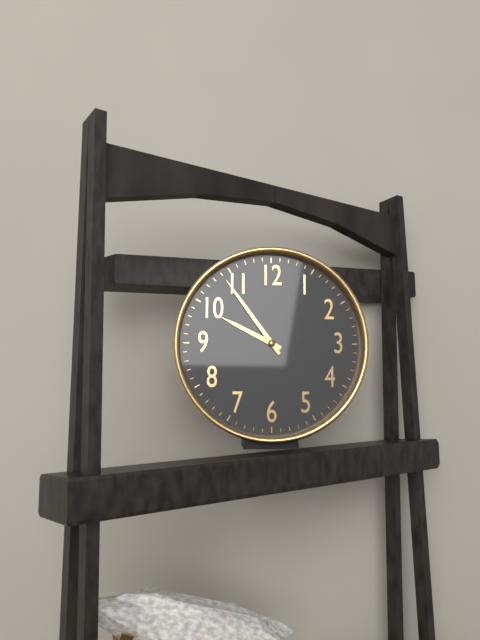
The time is {"hour": 9, "minute": 54}
